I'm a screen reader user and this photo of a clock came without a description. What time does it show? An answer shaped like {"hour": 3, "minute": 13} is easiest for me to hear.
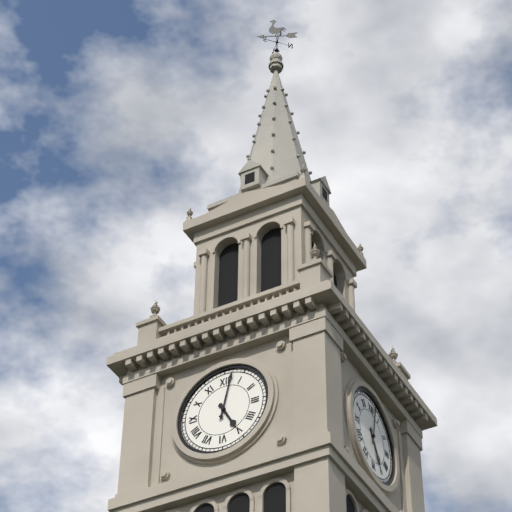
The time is {"hour": 5, "minute": 2}
